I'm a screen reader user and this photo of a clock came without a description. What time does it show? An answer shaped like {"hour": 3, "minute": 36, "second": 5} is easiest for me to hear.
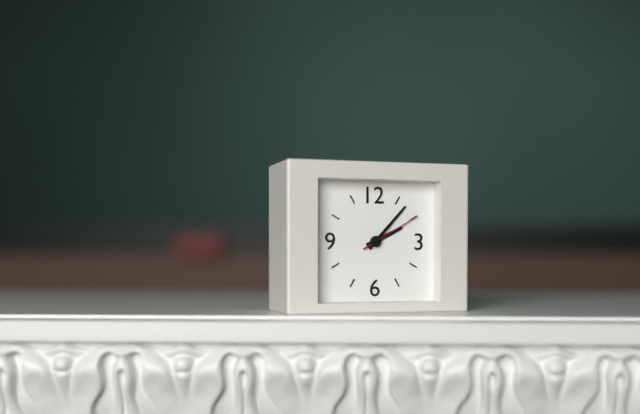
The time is {"hour": 2, "minute": 7, "second": 10}
